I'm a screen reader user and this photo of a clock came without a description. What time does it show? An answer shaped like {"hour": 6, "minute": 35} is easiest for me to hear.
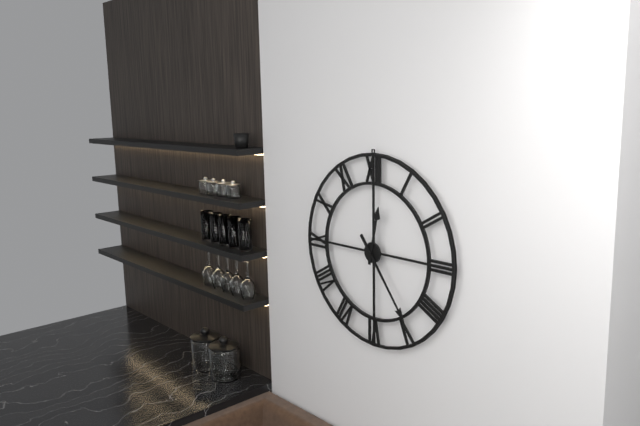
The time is {"hour": 12, "minute": 24}
